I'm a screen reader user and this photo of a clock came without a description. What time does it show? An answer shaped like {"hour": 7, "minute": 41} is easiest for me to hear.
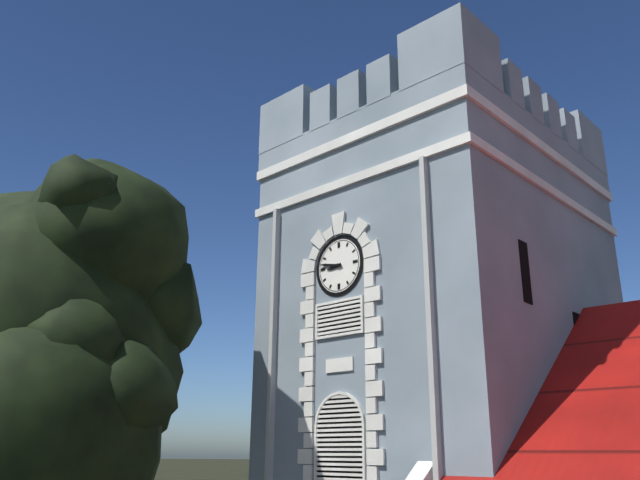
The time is {"hour": 8, "minute": 47}
